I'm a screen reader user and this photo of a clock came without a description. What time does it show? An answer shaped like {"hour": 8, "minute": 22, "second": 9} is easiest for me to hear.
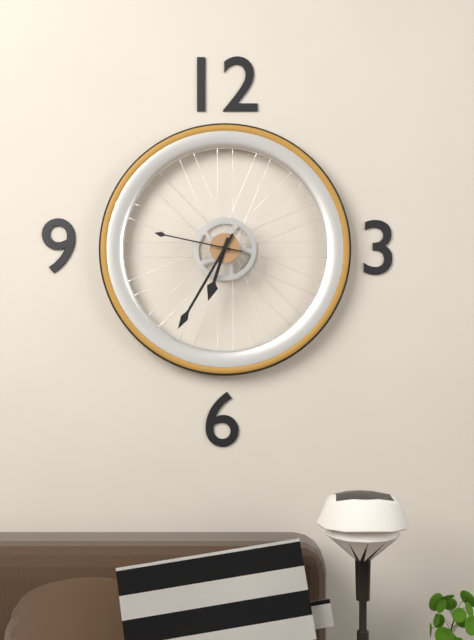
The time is {"hour": 6, "minute": 35, "second": 47}
